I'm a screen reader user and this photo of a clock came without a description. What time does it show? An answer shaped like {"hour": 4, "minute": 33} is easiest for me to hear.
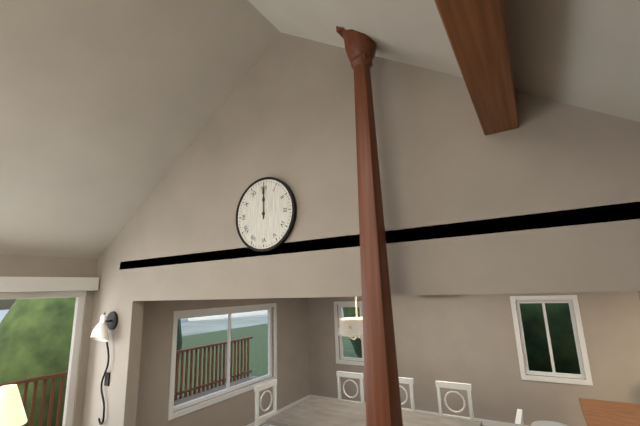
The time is {"hour": 12, "minute": 0}
